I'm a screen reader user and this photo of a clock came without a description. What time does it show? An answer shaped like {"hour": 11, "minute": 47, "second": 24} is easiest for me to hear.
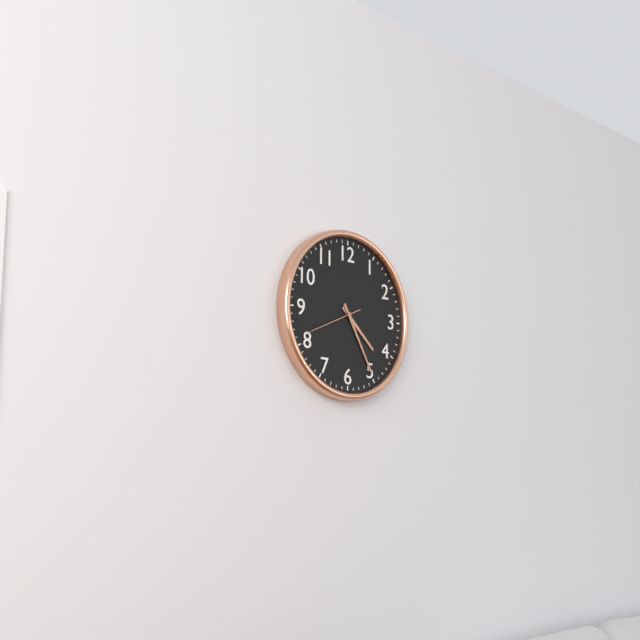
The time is {"hour": 4, "minute": 25, "second": 41}
